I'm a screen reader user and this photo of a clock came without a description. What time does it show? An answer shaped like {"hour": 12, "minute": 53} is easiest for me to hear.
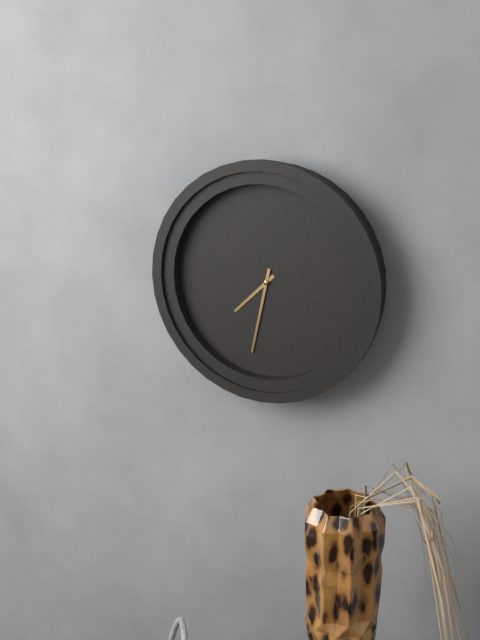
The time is {"hour": 7, "minute": 32}
